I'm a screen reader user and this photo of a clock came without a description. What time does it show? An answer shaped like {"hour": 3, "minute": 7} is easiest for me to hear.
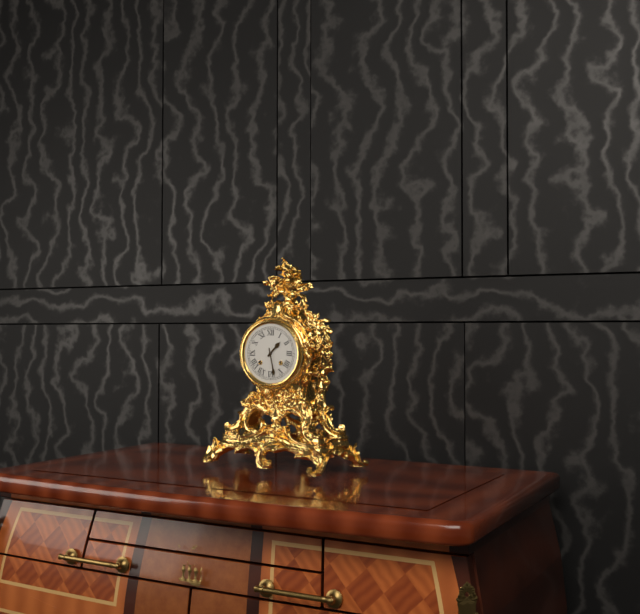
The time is {"hour": 1, "minute": 28}
